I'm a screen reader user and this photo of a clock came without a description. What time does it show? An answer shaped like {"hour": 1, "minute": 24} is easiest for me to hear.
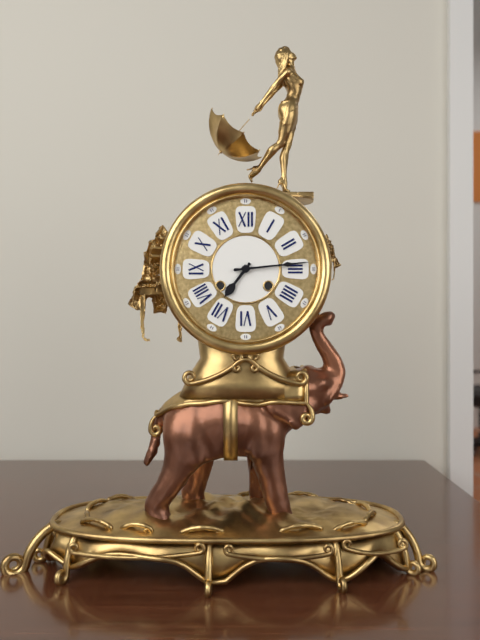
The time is {"hour": 7, "minute": 14}
